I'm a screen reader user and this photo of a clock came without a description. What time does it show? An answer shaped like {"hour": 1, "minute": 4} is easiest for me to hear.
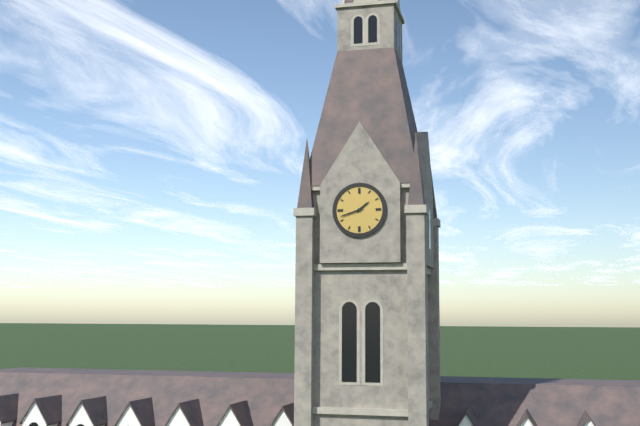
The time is {"hour": 1, "minute": 42}
